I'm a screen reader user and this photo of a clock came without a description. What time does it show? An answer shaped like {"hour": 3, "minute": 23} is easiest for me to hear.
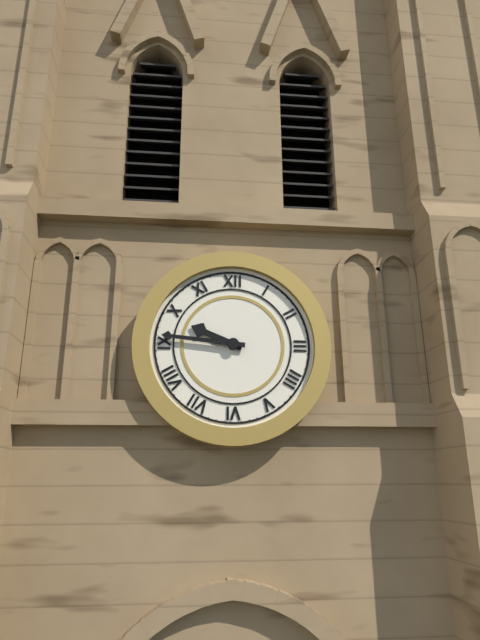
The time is {"hour": 9, "minute": 46}
